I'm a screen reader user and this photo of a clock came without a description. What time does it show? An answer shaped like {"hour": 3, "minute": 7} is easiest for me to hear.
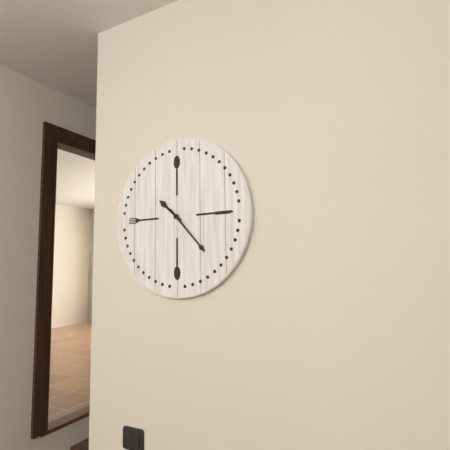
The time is {"hour": 10, "minute": 23}
